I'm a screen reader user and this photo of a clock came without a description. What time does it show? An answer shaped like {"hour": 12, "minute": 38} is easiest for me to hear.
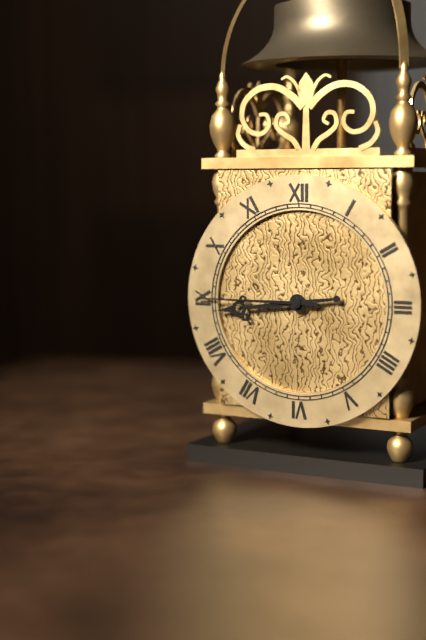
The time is {"hour": 8, "minute": 45}
